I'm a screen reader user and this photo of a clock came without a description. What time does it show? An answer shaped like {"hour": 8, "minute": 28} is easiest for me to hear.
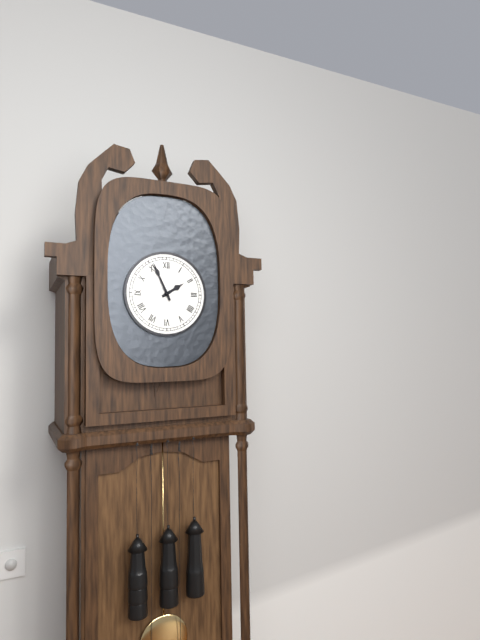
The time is {"hour": 1, "minute": 56}
